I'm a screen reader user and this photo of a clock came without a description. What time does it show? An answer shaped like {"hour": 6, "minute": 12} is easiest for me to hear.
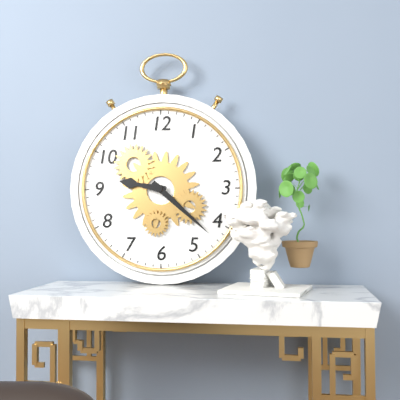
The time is {"hour": 9, "minute": 22}
